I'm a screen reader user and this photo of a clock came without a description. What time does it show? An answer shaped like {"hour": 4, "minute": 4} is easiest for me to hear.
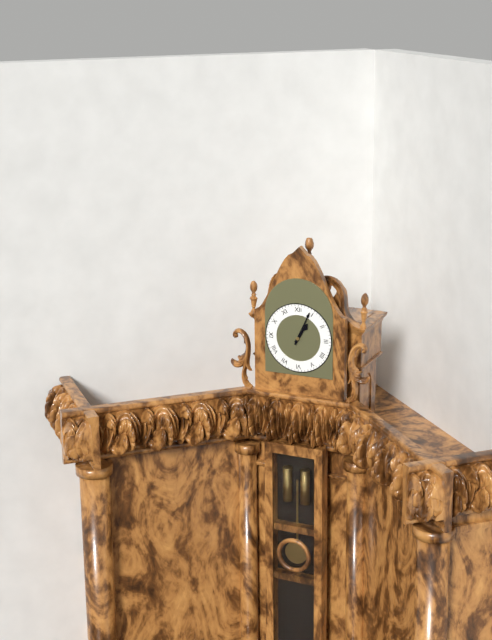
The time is {"hour": 1, "minute": 4}
